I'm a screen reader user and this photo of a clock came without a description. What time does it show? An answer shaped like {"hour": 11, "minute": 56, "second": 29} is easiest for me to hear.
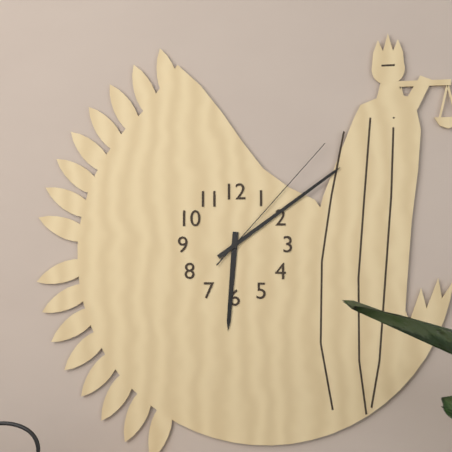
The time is {"hour": 6, "minute": 9, "second": 7}
